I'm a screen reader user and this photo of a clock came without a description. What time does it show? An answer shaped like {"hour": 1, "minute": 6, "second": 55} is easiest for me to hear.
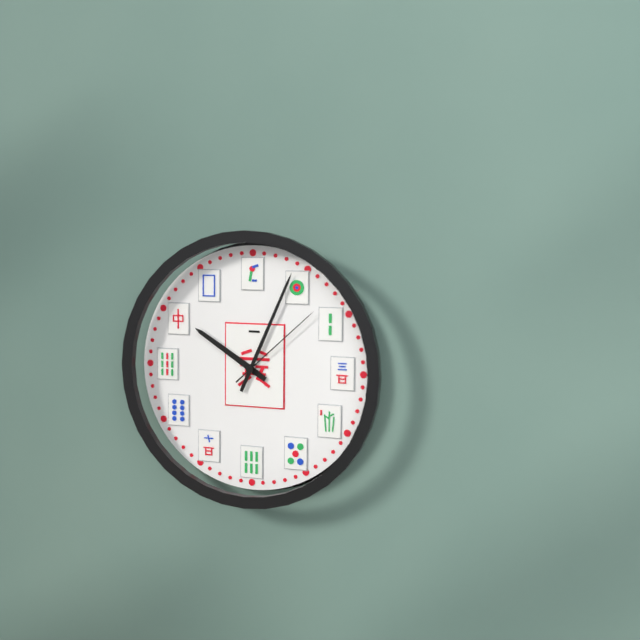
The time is {"hour": 10, "minute": 4, "second": 8}
